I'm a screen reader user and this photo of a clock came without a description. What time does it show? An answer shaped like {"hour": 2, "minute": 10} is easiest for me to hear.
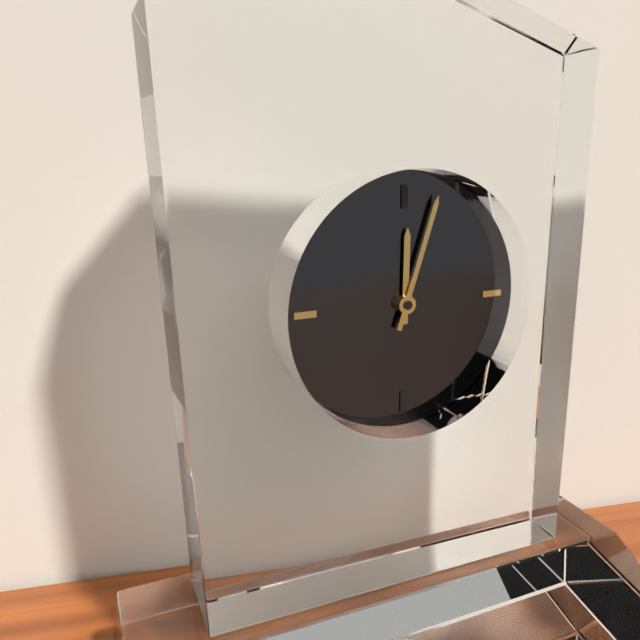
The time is {"hour": 12, "minute": 3}
